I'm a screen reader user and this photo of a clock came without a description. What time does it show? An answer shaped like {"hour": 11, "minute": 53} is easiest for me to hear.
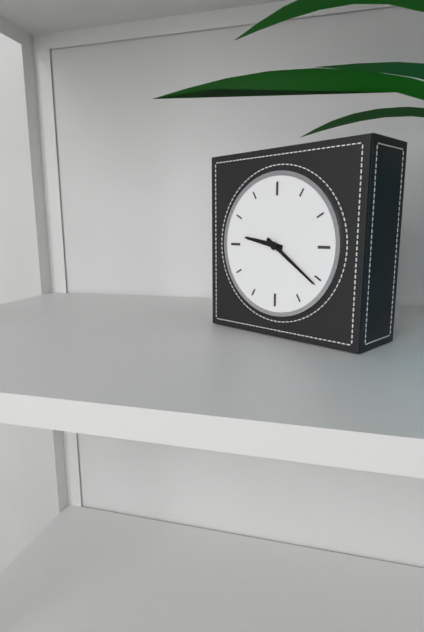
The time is {"hour": 9, "minute": 21}
